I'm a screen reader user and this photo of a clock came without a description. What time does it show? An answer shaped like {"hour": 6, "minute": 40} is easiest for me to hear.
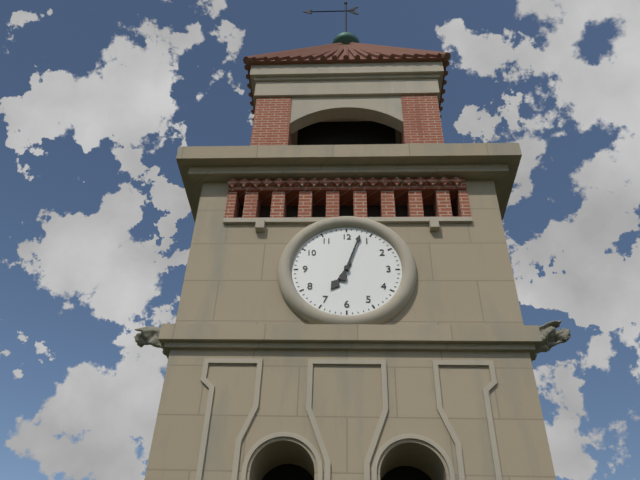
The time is {"hour": 7, "minute": 3}
